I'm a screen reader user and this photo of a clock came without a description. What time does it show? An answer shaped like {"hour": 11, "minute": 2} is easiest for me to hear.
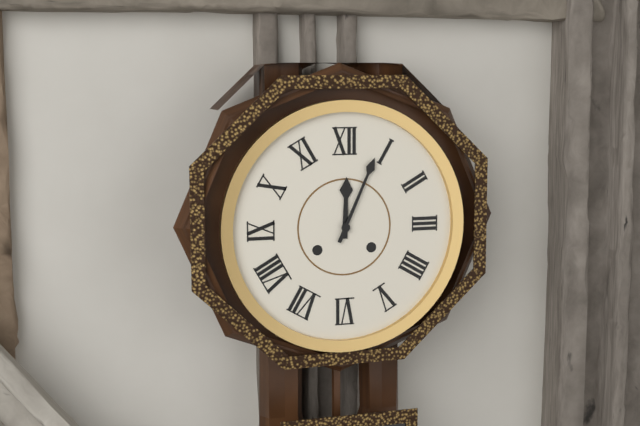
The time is {"hour": 12, "minute": 4}
